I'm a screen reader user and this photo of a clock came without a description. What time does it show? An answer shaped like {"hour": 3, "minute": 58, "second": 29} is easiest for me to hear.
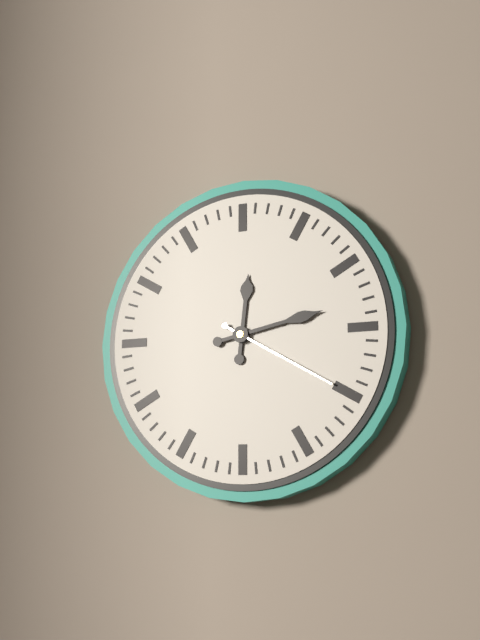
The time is {"hour": 12, "minute": 13, "second": 20}
